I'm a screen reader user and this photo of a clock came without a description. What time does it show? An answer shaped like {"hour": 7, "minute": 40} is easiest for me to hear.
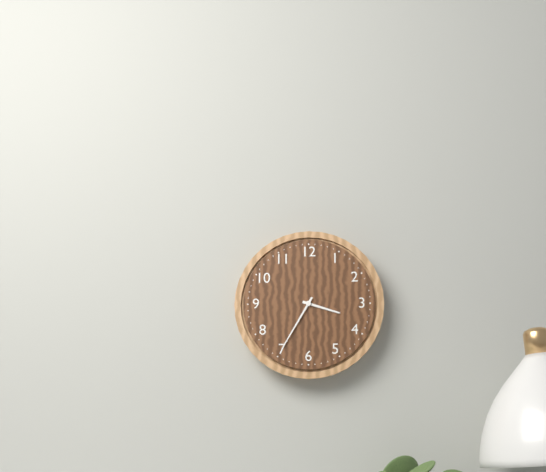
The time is {"hour": 3, "minute": 35}
